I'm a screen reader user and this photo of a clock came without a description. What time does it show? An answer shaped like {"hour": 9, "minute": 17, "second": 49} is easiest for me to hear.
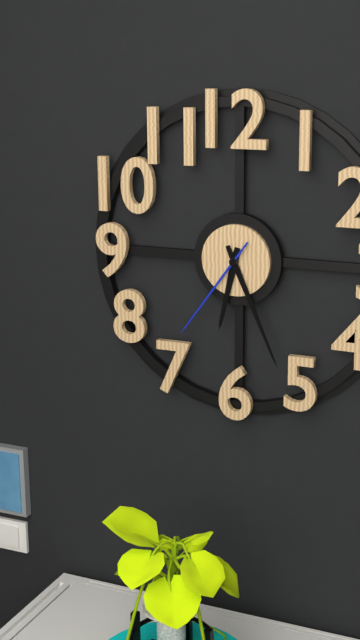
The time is {"hour": 6, "minute": 26, "second": 36}
